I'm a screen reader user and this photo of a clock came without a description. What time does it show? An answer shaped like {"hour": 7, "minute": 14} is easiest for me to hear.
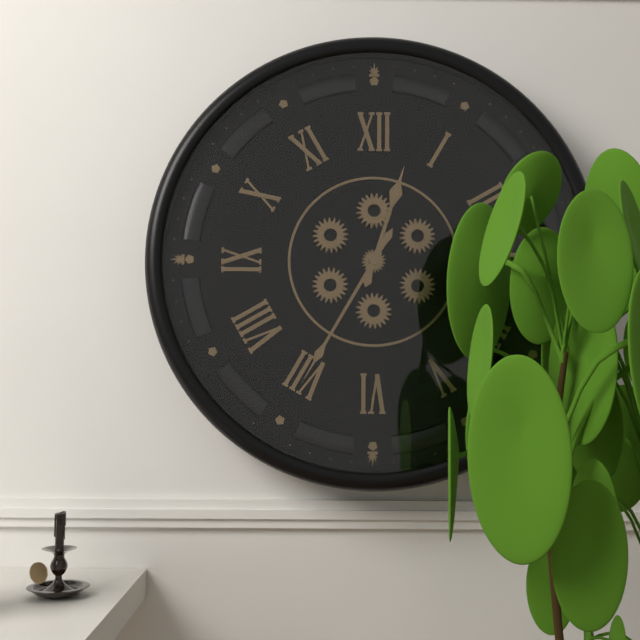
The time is {"hour": 12, "minute": 35}
